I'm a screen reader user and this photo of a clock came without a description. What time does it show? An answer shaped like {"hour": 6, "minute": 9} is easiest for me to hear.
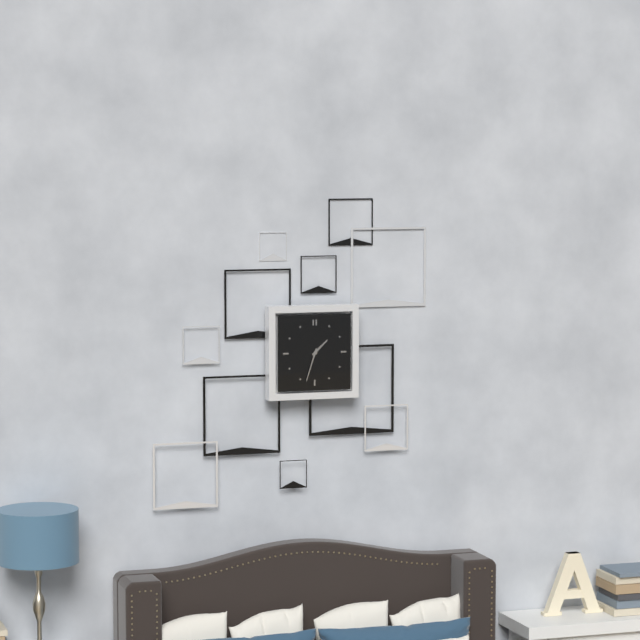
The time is {"hour": 1, "minute": 33}
